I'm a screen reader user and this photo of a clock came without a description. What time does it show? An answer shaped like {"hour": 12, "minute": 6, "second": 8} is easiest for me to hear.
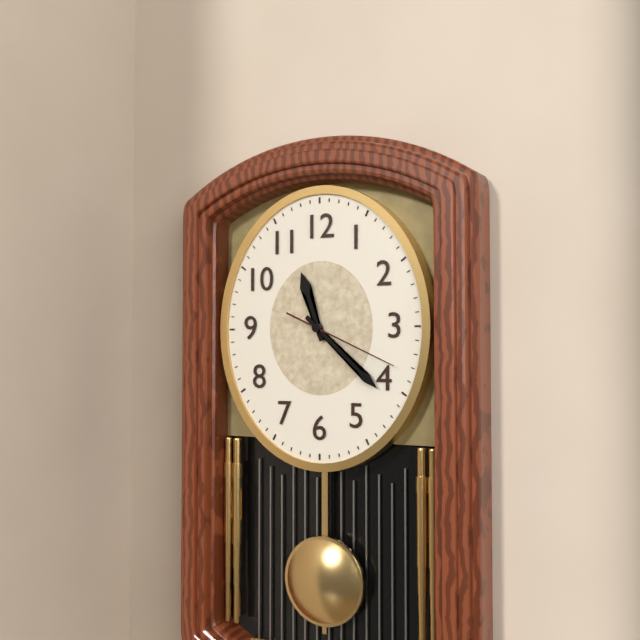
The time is {"hour": 11, "minute": 22, "second": 19}
